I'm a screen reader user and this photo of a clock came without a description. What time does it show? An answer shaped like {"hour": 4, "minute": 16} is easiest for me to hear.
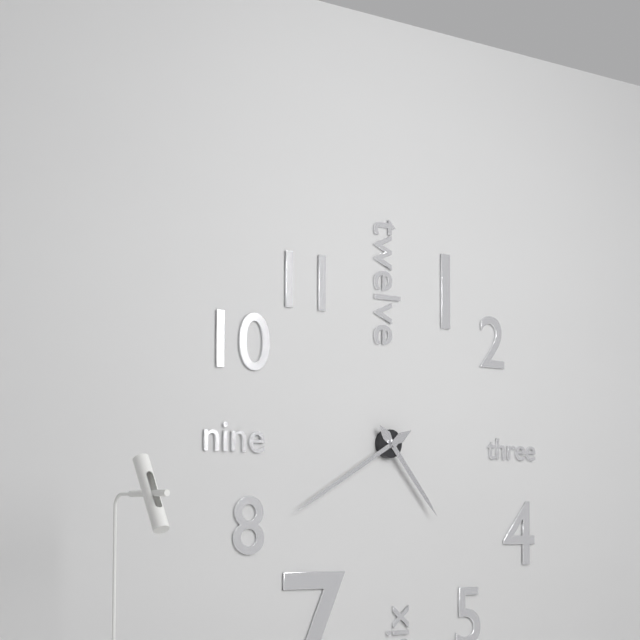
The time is {"hour": 4, "minute": 40}
